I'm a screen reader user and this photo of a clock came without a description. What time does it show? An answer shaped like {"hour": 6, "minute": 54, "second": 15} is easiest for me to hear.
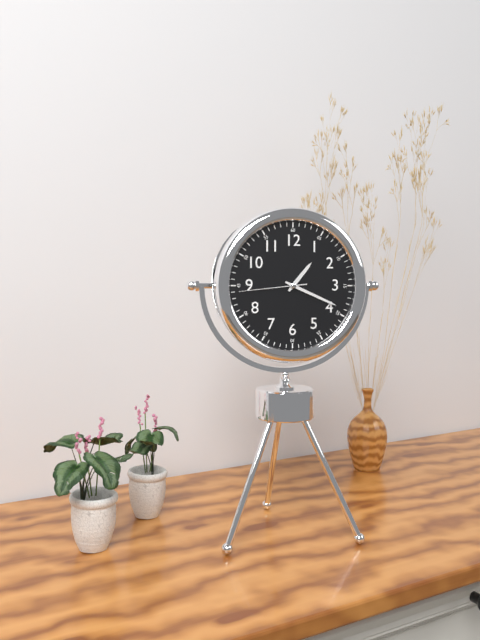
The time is {"hour": 1, "minute": 19, "second": 44}
